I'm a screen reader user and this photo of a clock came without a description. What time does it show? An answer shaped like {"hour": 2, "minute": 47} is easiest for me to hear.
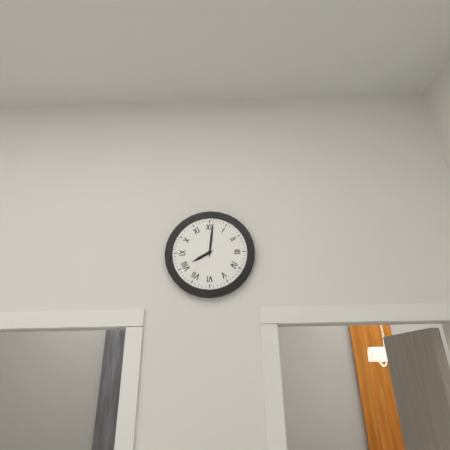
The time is {"hour": 8, "minute": 1}
